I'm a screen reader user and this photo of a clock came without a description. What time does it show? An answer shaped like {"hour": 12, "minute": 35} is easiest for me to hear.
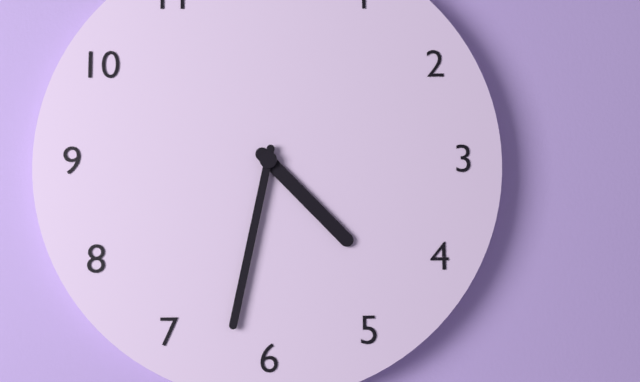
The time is {"hour": 4, "minute": 32}
